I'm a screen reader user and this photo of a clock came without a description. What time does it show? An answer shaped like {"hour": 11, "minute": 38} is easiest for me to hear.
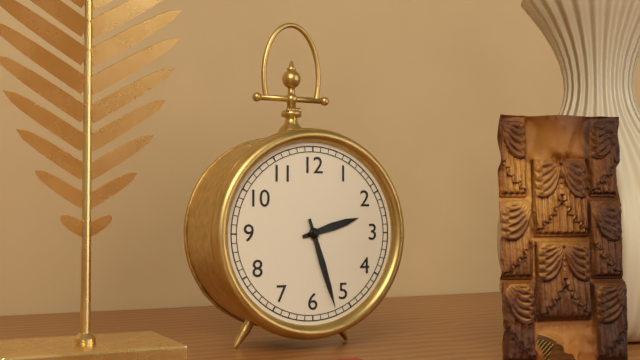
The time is {"hour": 2, "minute": 27}
